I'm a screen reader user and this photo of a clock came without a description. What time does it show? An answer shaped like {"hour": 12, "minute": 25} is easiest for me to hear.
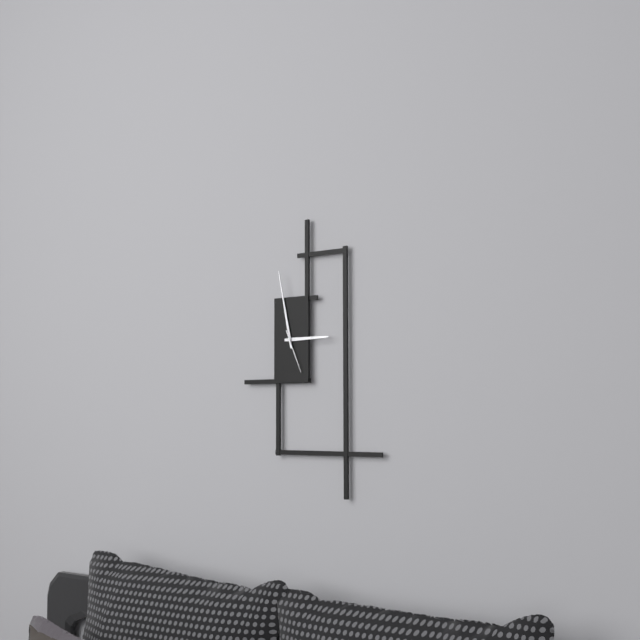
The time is {"hour": 2, "minute": 58}
